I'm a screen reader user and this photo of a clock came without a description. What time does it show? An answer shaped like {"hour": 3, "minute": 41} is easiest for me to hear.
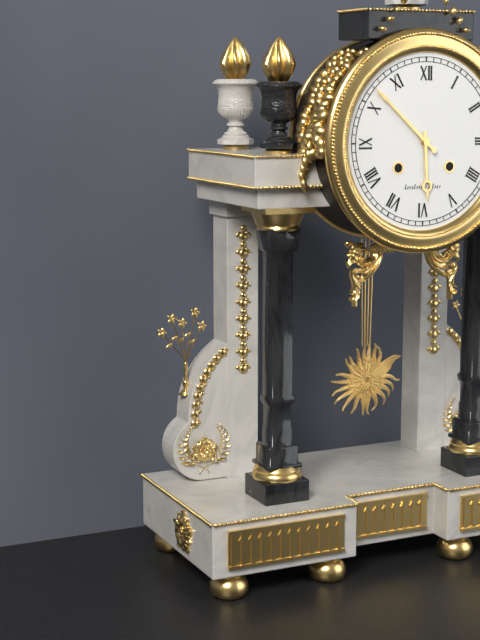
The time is {"hour": 5, "minute": 52}
